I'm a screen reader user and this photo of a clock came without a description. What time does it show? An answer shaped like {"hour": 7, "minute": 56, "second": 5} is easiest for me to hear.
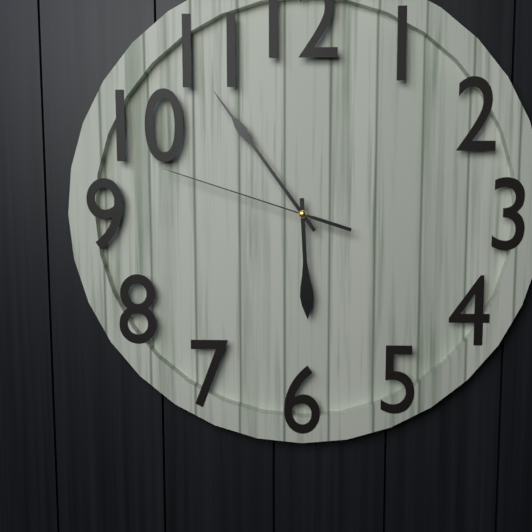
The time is {"hour": 5, "minute": 54, "second": 48}
